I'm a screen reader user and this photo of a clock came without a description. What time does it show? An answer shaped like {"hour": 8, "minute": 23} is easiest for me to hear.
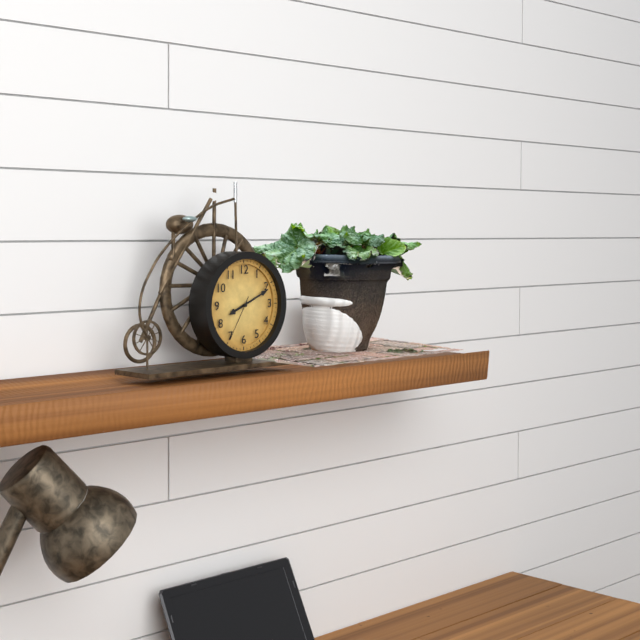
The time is {"hour": 8, "minute": 11}
